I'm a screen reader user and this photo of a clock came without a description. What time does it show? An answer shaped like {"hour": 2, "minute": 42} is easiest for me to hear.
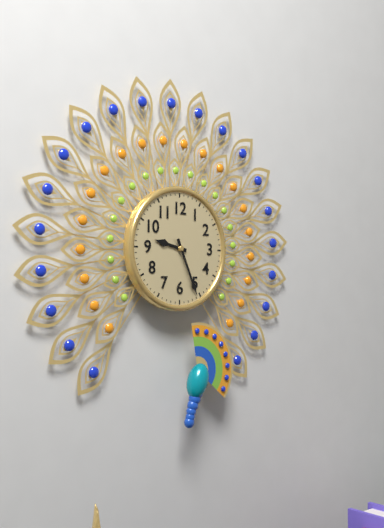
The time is {"hour": 9, "minute": 26}
